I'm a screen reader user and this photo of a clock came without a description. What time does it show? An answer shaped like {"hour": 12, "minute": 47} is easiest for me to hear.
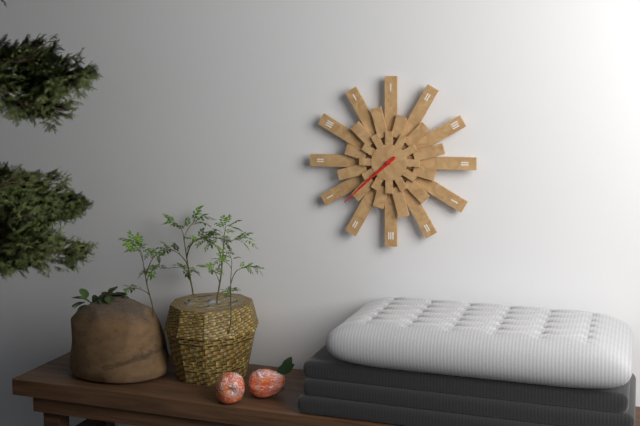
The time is {"hour": 7, "minute": 38}
